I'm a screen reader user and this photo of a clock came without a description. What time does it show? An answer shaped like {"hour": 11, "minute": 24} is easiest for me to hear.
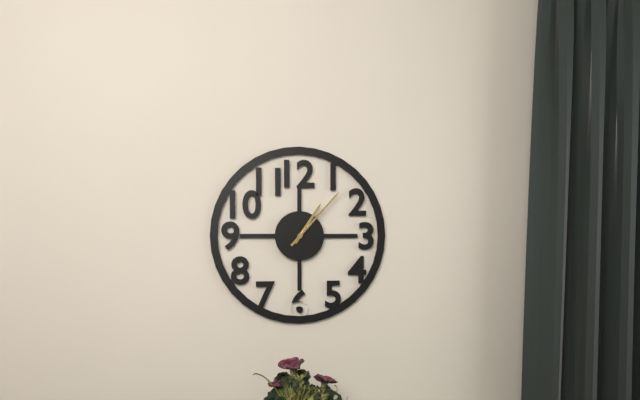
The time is {"hour": 1, "minute": 7}
